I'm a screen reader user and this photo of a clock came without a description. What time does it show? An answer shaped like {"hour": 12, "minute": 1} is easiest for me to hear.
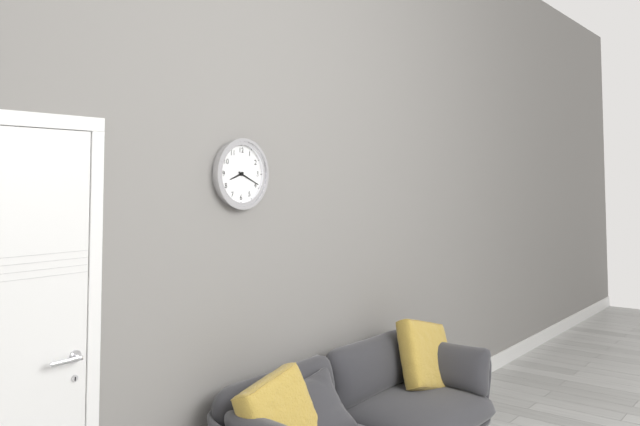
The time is {"hour": 8, "minute": 19}
